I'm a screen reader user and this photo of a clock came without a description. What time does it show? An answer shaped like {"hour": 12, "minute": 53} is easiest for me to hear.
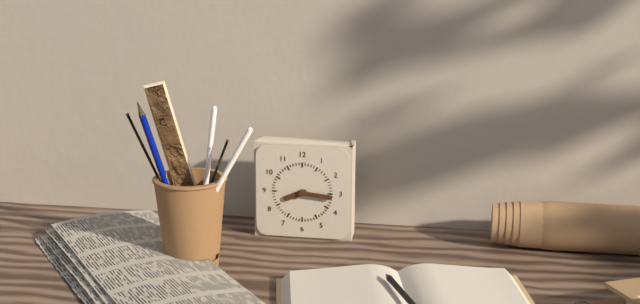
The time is {"hour": 8, "minute": 16}
